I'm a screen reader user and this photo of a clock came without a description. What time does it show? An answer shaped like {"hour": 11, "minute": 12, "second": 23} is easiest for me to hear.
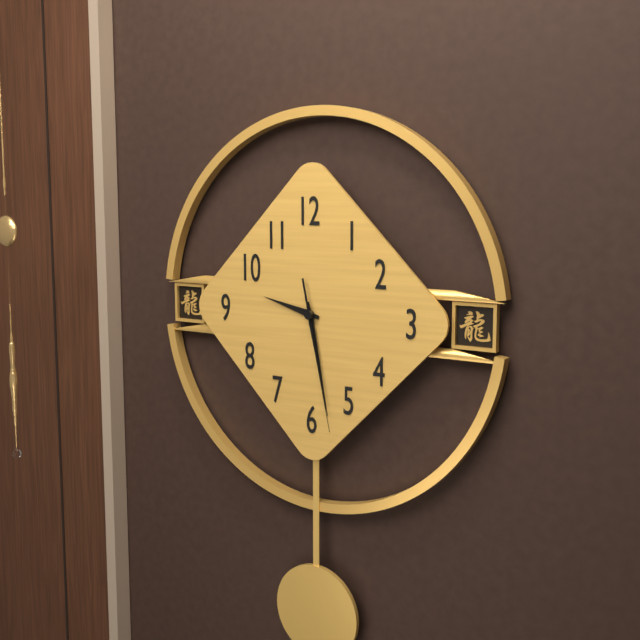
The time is {"hour": 9, "minute": 28, "second": 28}
